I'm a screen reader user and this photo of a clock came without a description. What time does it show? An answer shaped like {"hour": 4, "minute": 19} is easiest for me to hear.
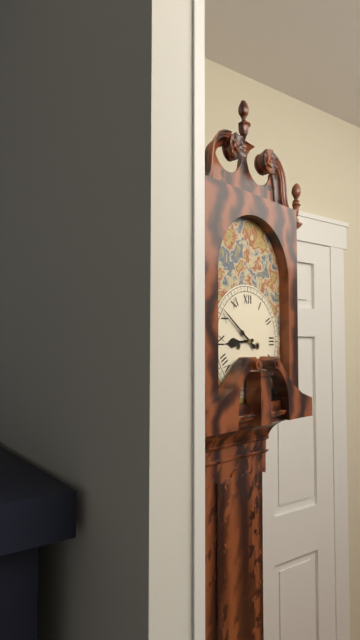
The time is {"hour": 8, "minute": 51}
